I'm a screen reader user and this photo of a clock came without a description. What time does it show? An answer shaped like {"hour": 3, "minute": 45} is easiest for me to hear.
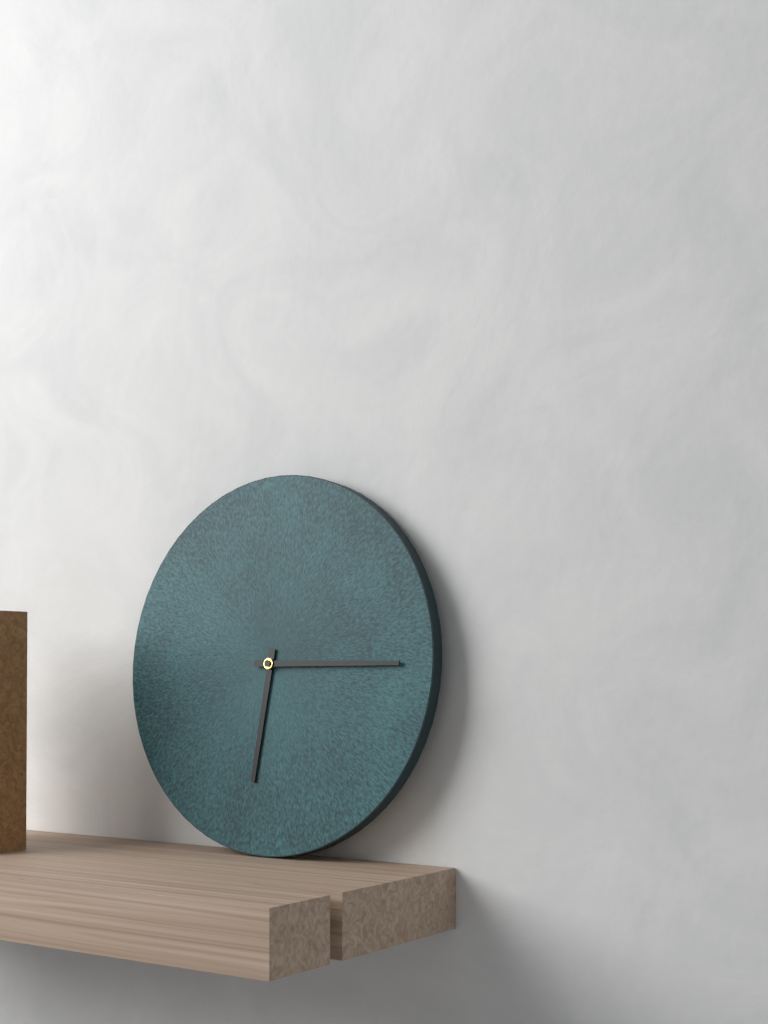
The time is {"hour": 6, "minute": 15}
